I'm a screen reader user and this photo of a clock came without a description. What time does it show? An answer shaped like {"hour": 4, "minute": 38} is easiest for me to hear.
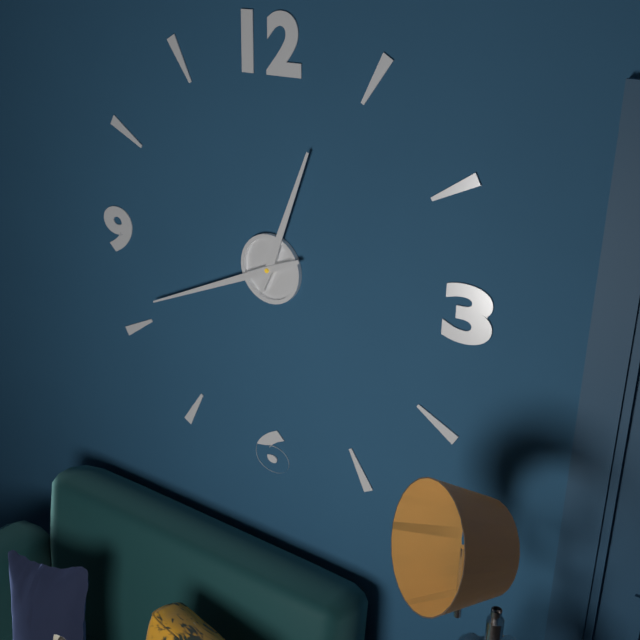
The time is {"hour": 12, "minute": 41}
